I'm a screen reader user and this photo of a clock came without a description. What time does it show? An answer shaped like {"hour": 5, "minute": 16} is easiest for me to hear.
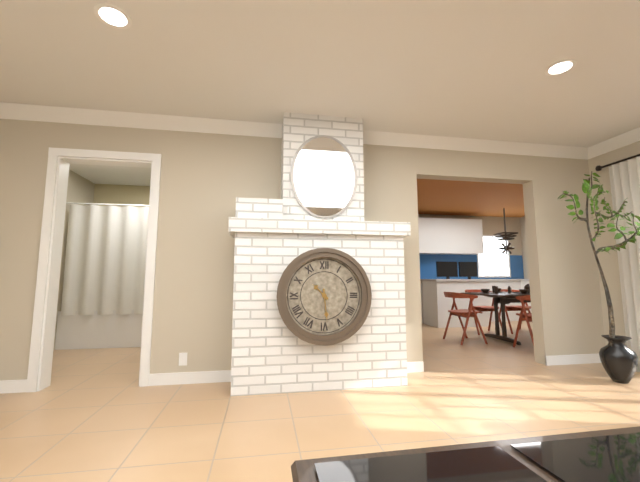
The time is {"hour": 10, "minute": 29}
